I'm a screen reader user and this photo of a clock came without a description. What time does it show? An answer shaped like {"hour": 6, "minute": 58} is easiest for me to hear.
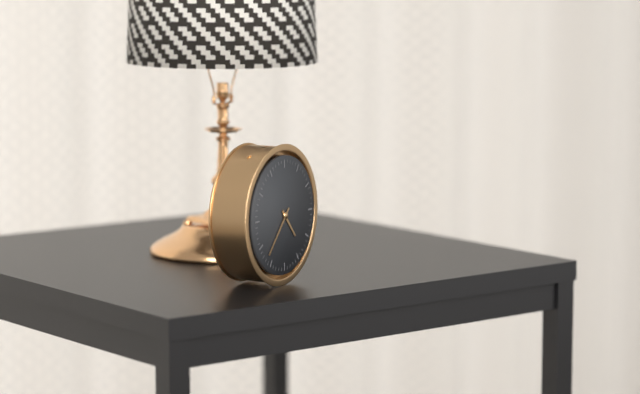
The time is {"hour": 4, "minute": 37}
